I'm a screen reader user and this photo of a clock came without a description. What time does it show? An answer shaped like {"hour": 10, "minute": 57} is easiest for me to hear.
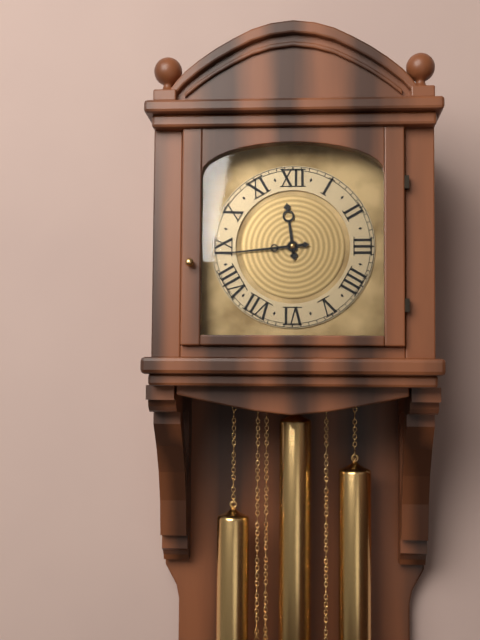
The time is {"hour": 11, "minute": 44}
